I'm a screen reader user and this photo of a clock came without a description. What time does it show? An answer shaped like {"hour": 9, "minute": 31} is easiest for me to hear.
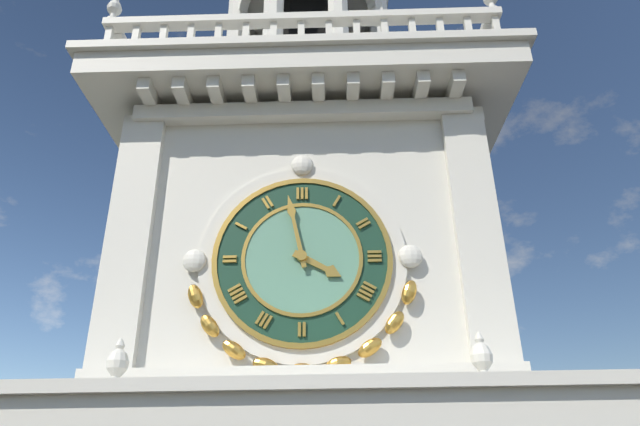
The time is {"hour": 3, "minute": 58}
